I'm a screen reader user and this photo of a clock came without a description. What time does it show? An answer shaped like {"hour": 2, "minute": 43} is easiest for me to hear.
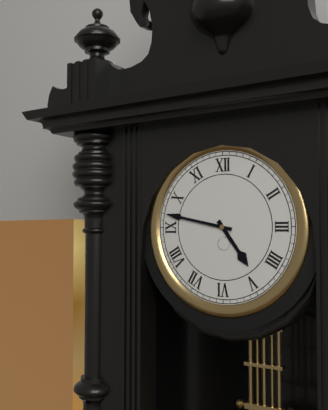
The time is {"hour": 4, "minute": 47}
